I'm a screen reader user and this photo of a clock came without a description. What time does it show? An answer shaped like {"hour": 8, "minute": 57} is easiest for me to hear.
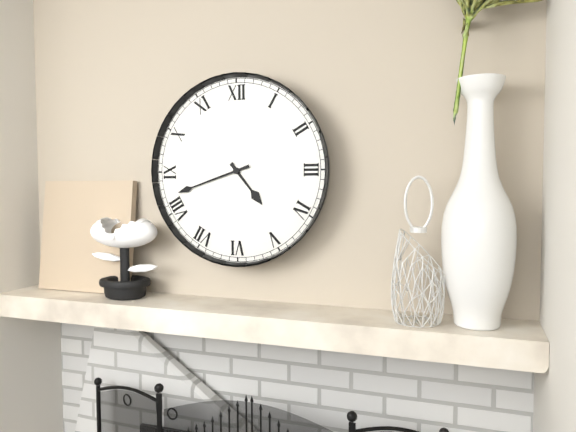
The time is {"hour": 4, "minute": 42}
